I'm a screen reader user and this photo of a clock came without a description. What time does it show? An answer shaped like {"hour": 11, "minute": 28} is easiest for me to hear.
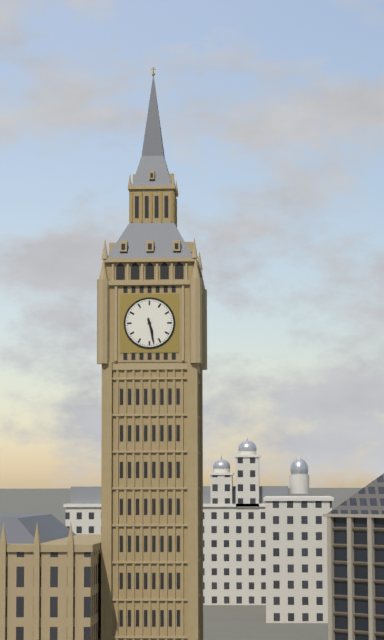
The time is {"hour": 5, "minute": 28}
